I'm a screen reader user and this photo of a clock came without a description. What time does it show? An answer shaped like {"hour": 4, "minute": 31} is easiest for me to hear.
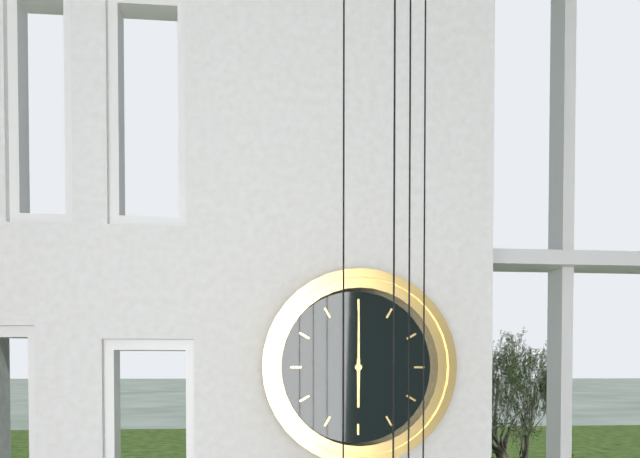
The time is {"hour": 6, "minute": 0}
